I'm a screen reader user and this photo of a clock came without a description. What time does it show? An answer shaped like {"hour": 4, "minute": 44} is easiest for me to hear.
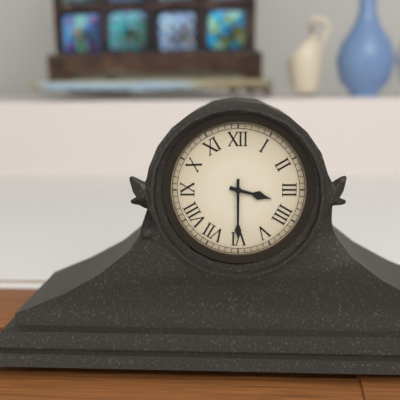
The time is {"hour": 3, "minute": 30}
